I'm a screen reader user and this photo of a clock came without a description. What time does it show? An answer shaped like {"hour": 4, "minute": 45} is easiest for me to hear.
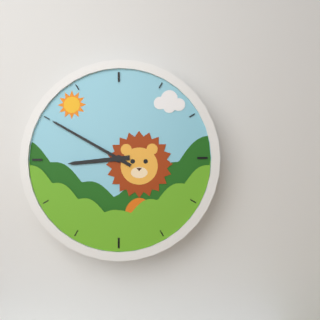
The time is {"hour": 8, "minute": 50}
